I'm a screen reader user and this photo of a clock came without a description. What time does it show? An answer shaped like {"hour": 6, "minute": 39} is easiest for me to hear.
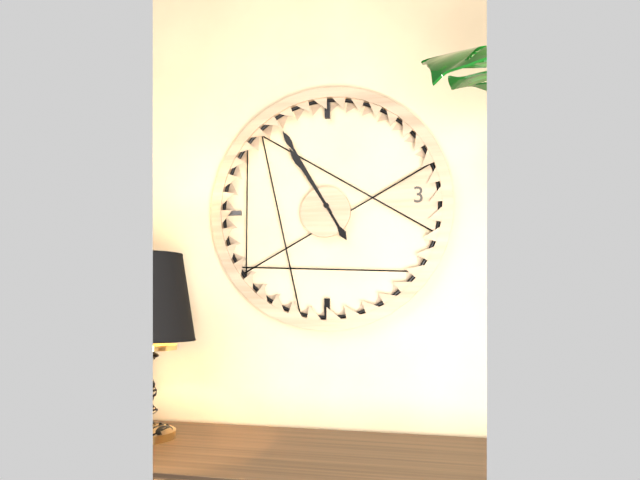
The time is {"hour": 10, "minute": 55}
